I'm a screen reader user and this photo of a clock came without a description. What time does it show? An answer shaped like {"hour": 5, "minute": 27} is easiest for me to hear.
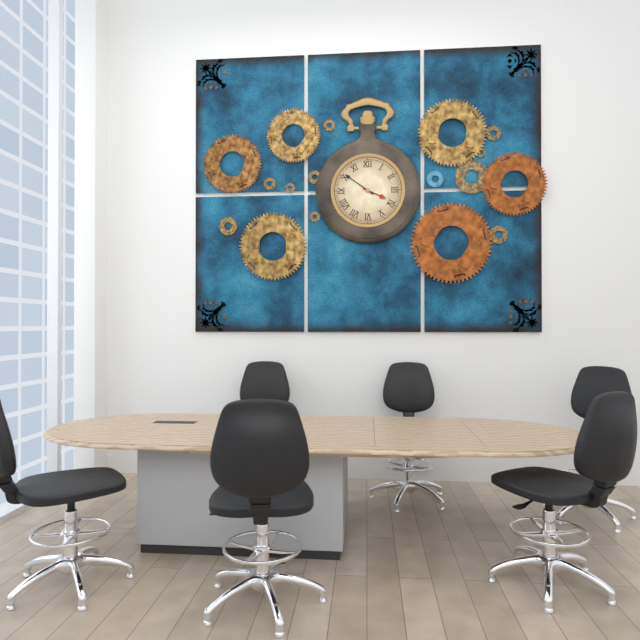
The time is {"hour": 3, "minute": 51}
